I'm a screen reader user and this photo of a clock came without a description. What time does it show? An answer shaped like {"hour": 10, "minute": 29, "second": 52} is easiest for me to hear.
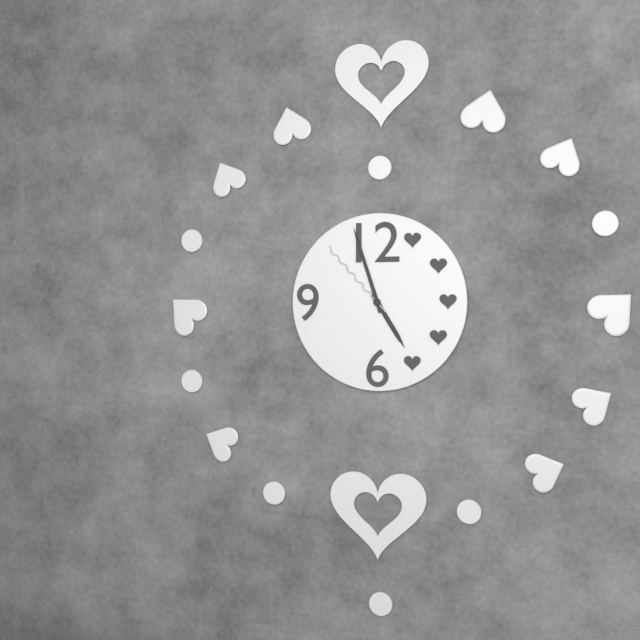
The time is {"hour": 4, "minute": 57, "second": 53}
